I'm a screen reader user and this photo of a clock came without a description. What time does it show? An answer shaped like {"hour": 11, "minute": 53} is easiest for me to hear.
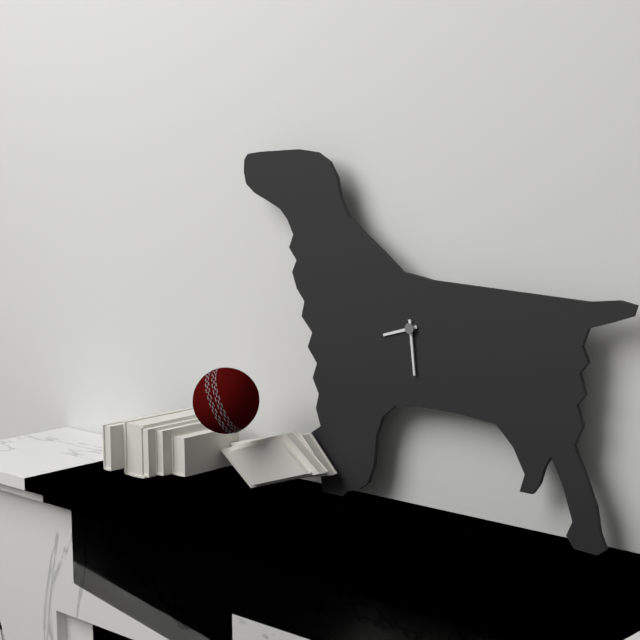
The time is {"hour": 8, "minute": 29}
